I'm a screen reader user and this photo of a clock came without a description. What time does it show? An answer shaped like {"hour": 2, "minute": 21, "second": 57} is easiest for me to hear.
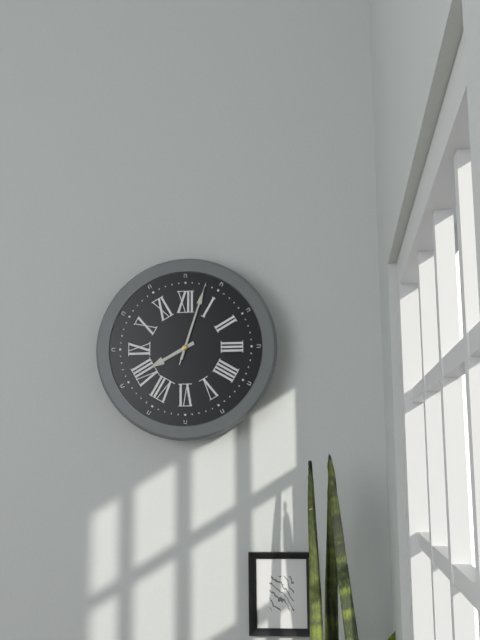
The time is {"hour": 8, "minute": 3, "second": 3}
